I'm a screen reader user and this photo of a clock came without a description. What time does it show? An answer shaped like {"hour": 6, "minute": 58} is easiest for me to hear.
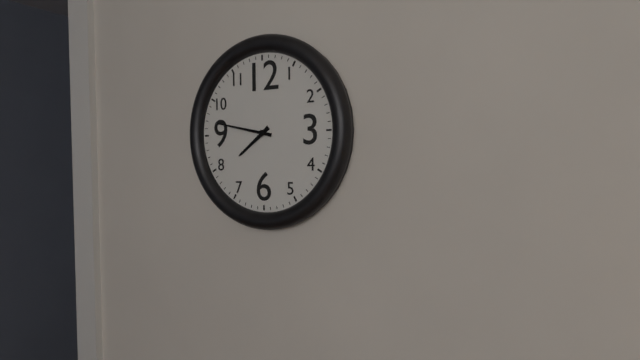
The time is {"hour": 7, "minute": 47}
